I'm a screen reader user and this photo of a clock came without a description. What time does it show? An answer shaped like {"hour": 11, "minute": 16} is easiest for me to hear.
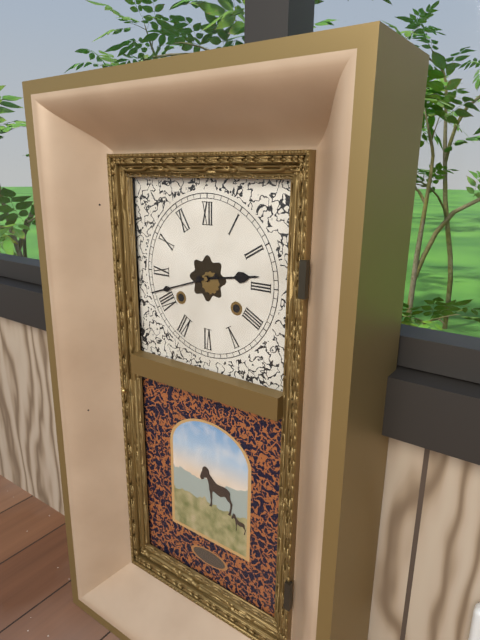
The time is {"hour": 2, "minute": 42}
